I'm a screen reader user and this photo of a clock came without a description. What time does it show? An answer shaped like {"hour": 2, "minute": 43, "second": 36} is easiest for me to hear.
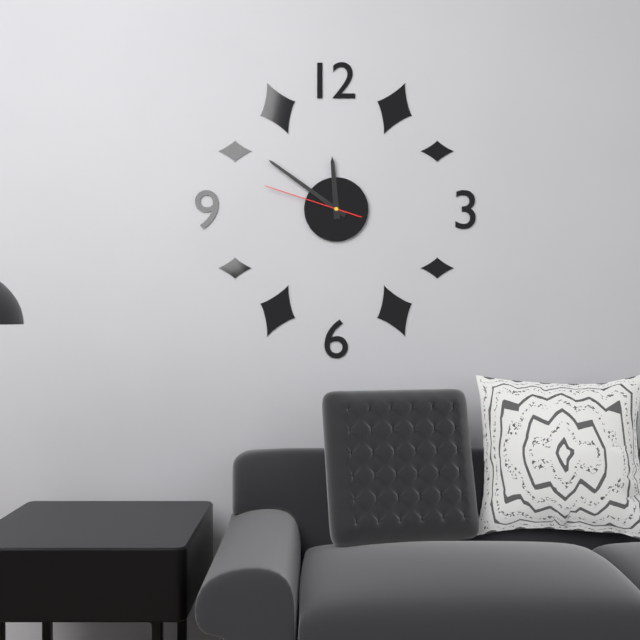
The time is {"hour": 11, "minute": 51, "second": 48}
